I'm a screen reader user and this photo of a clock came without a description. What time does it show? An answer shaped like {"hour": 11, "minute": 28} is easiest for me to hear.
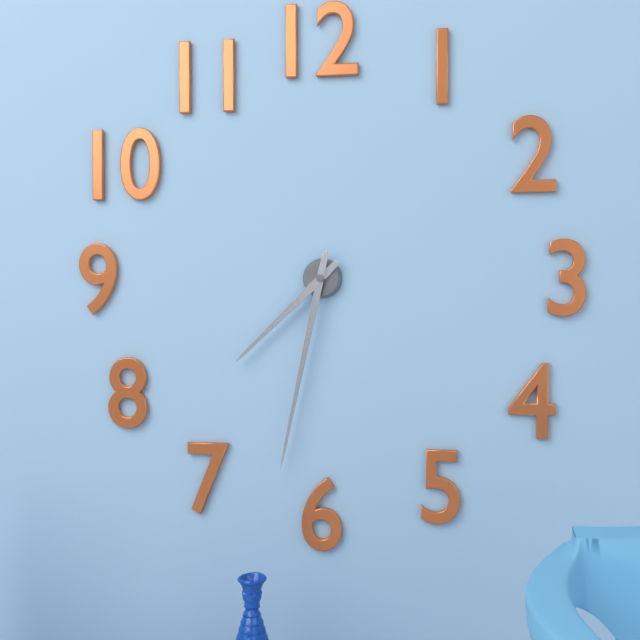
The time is {"hour": 7, "minute": 32}
